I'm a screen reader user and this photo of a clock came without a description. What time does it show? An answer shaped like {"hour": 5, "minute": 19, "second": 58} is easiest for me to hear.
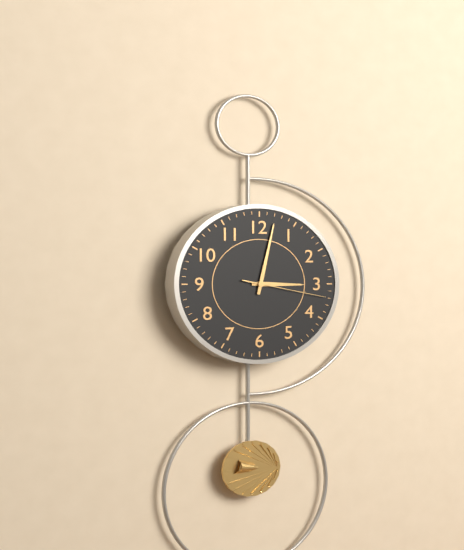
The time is {"hour": 3, "minute": 2, "second": 17}
